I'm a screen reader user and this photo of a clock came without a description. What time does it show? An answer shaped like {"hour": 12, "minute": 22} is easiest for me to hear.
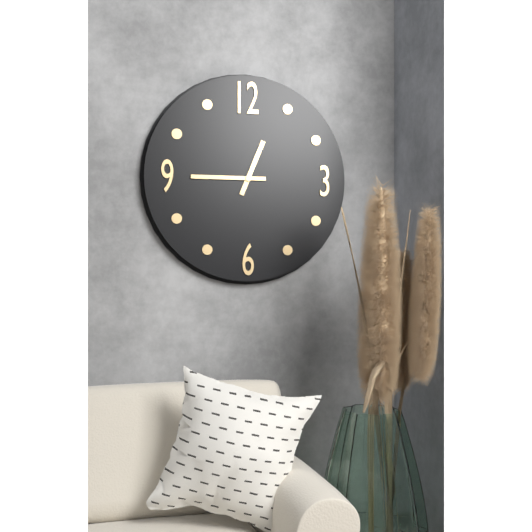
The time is {"hour": 12, "minute": 45}
